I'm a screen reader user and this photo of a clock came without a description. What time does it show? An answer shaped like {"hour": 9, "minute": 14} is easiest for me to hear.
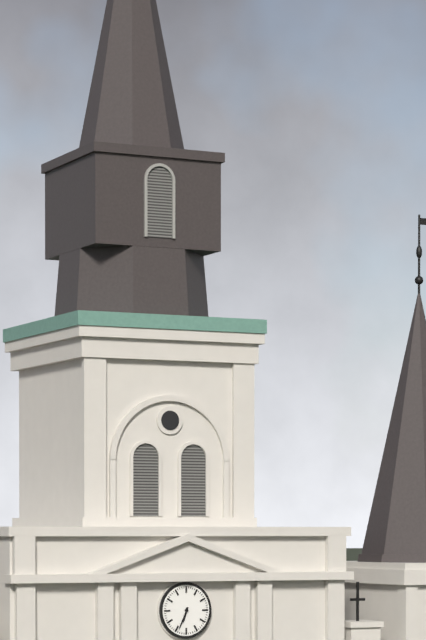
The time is {"hour": 6, "minute": 34}
